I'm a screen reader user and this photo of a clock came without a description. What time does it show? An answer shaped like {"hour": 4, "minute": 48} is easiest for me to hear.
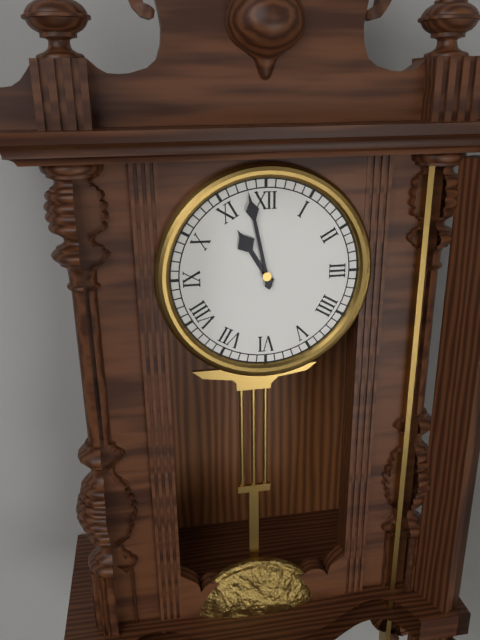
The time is {"hour": 10, "minute": 58}
